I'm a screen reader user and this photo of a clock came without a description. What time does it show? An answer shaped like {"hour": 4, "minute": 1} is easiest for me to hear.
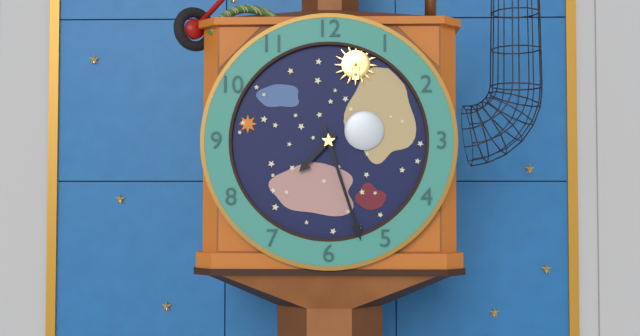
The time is {"hour": 7, "minute": 27}
